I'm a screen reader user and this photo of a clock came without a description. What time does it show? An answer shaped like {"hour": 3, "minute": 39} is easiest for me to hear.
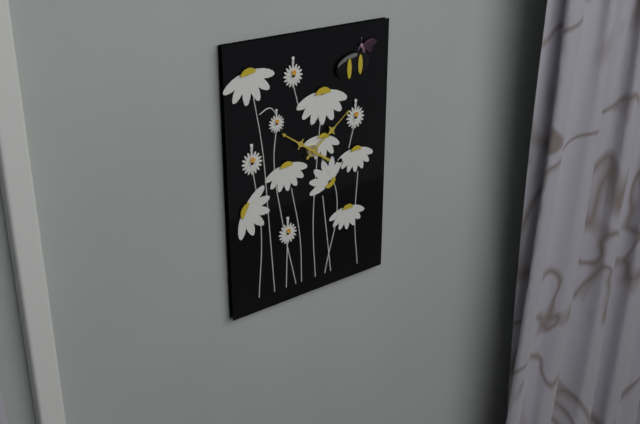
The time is {"hour": 10, "minute": 9}
